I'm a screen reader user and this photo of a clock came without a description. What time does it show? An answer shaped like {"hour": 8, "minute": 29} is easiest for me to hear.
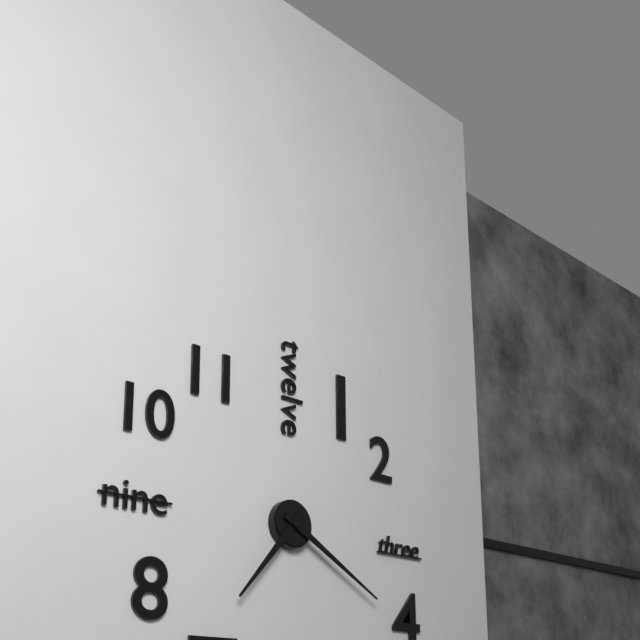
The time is {"hour": 7, "minute": 20}
